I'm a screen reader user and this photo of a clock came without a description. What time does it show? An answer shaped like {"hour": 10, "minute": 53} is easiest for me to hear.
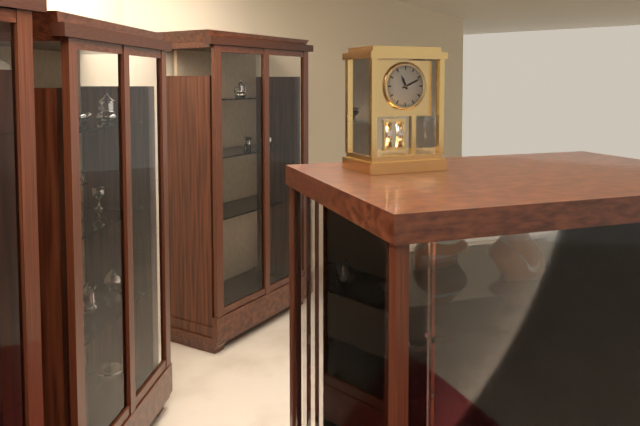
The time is {"hour": 11, "minute": 11}
